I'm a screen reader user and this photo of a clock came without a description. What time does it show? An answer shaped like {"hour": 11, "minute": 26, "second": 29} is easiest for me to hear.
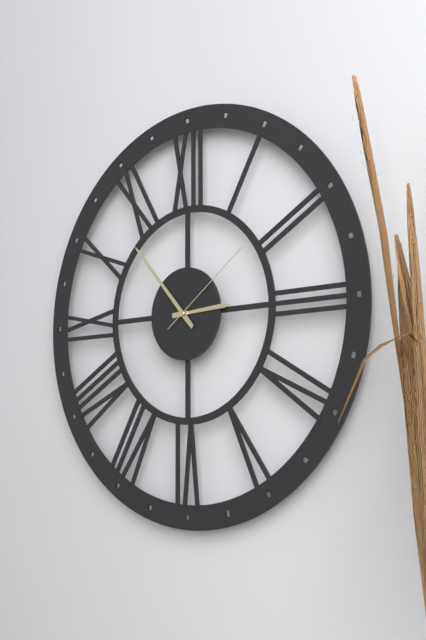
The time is {"hour": 2, "minute": 53, "second": 9}
